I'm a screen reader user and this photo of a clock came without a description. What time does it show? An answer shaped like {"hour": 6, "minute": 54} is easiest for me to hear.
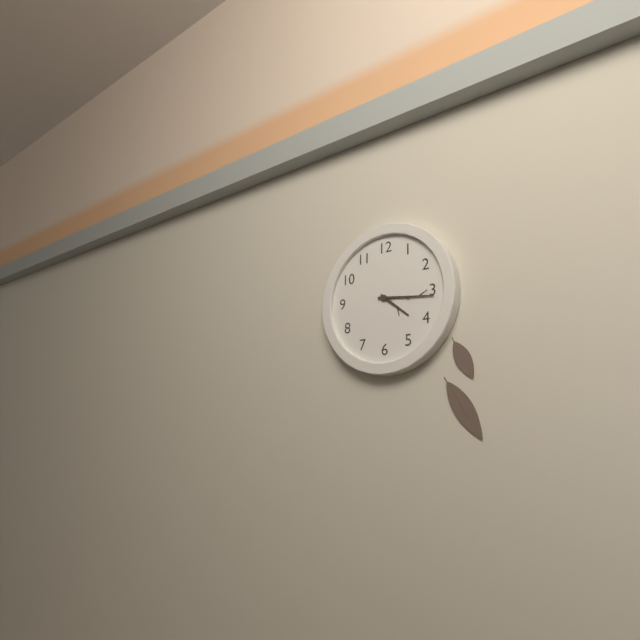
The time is {"hour": 4, "minute": 16}
